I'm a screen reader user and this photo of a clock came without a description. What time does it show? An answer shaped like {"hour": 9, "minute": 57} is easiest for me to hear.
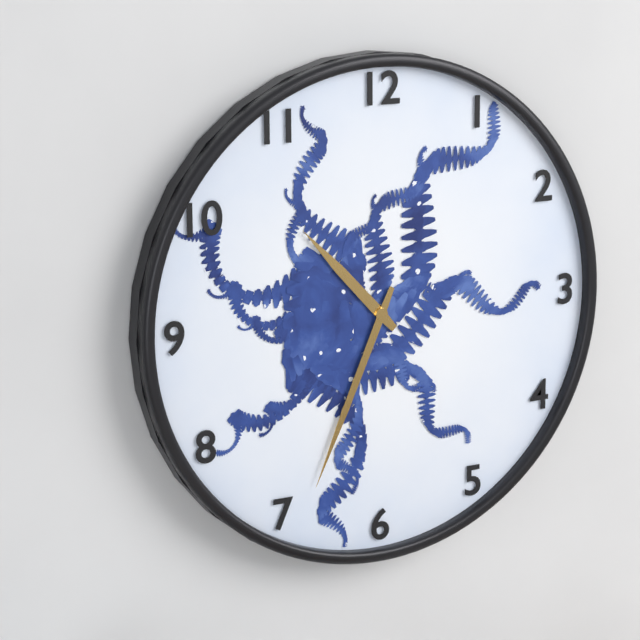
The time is {"hour": 10, "minute": 34}
